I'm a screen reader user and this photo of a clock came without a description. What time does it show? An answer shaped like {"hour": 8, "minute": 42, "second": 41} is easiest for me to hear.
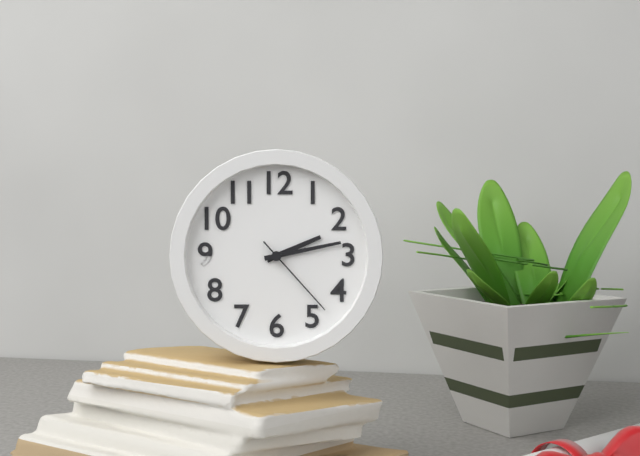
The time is {"hour": 2, "minute": 13, "second": 23}
